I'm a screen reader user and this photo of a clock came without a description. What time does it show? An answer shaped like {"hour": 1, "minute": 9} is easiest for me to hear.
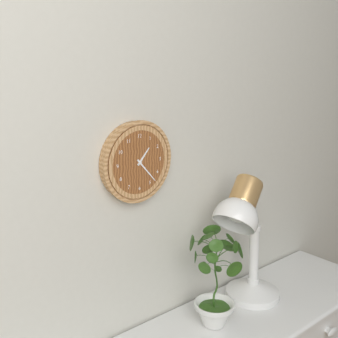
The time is {"hour": 1, "minute": 23}
